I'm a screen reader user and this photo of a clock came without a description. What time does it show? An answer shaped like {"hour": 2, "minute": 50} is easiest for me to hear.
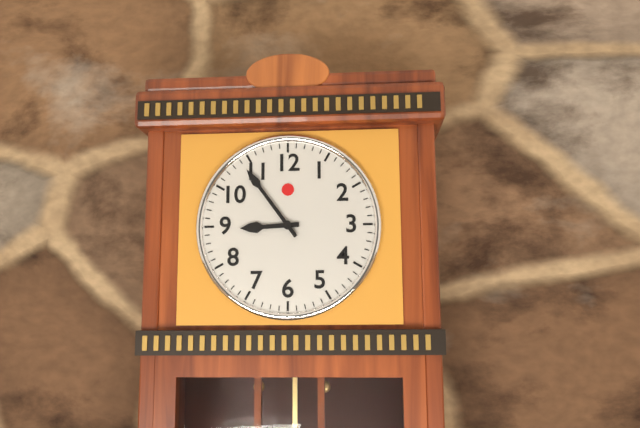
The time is {"hour": 8, "minute": 54}
